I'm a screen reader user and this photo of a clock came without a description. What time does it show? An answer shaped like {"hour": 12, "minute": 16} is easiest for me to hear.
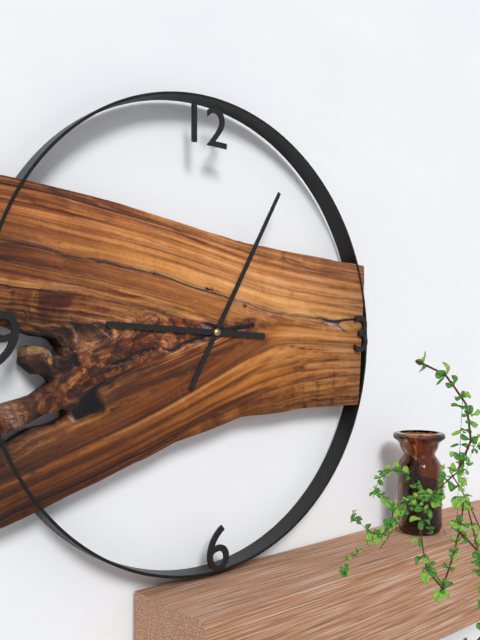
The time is {"hour": 9, "minute": 5}
